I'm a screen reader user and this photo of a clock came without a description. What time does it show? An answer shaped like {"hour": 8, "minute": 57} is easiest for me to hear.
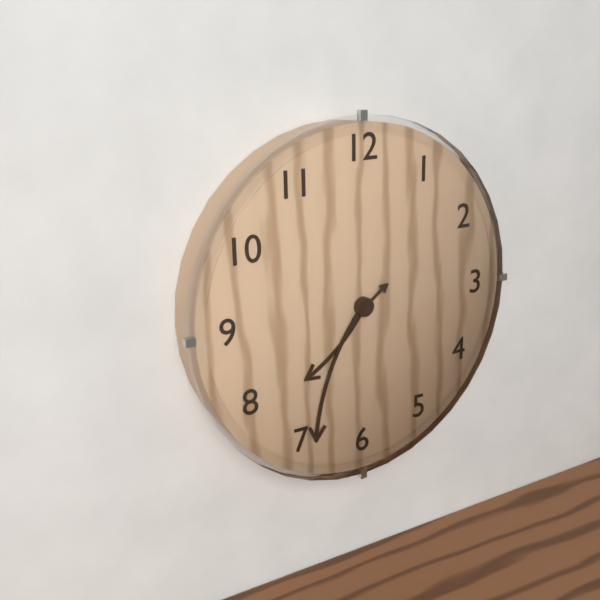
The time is {"hour": 7, "minute": 34}
